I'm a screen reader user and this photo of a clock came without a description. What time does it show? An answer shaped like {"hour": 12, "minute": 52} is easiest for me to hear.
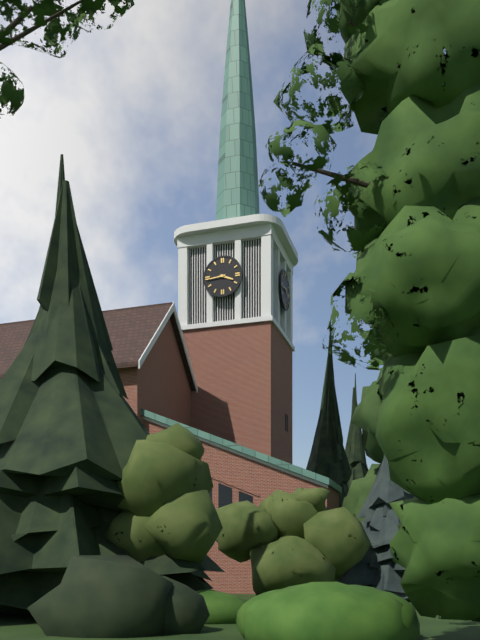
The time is {"hour": 3, "minute": 44}
